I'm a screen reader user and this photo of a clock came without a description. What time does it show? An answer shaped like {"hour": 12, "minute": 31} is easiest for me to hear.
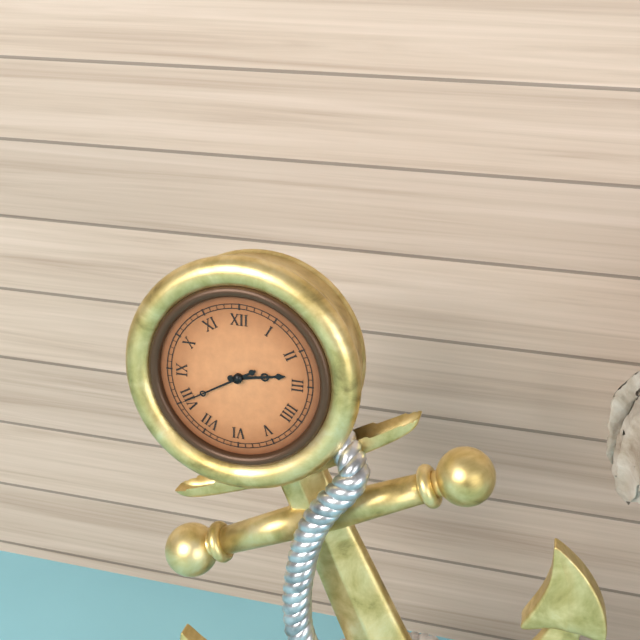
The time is {"hour": 2, "minute": 40}
